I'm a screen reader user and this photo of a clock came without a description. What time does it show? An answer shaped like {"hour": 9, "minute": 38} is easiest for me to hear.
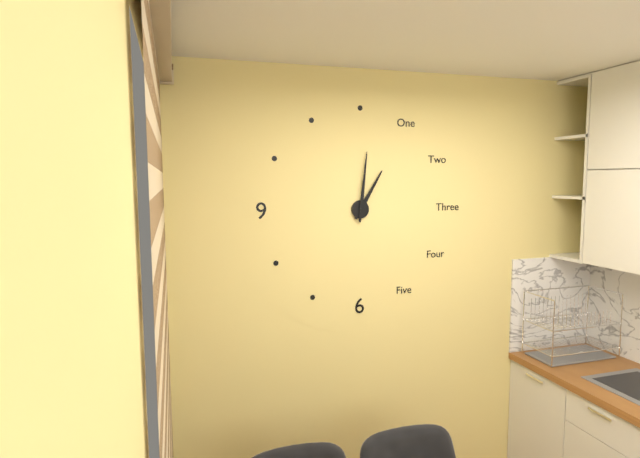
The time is {"hour": 1, "minute": 1}
